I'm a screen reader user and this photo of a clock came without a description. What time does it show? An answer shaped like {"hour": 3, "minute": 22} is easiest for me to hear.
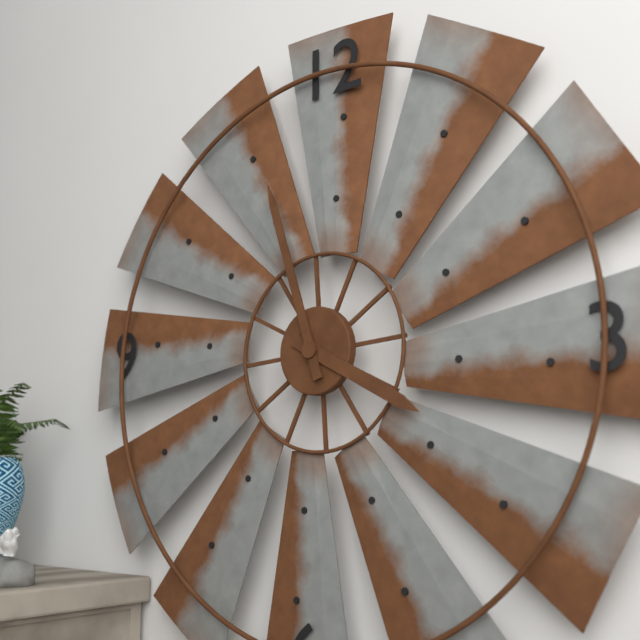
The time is {"hour": 3, "minute": 57}
